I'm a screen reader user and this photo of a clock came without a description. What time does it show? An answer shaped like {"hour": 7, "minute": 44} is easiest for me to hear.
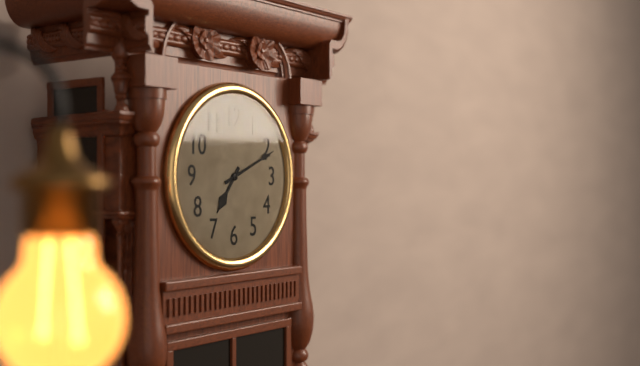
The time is {"hour": 7, "minute": 11}
